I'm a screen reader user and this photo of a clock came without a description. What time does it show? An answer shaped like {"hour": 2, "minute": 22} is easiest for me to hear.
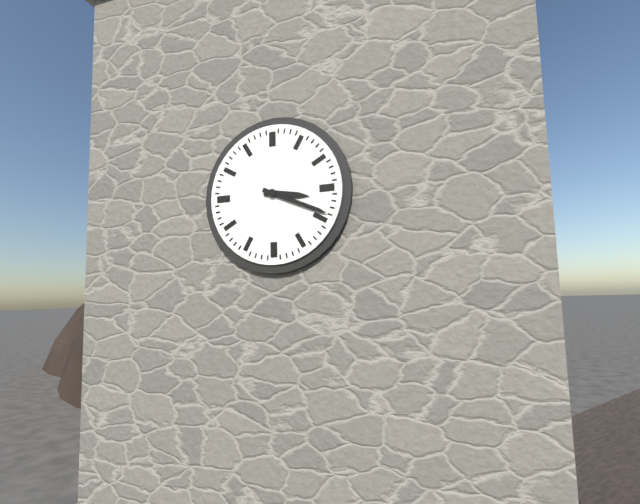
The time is {"hour": 3, "minute": 19}
